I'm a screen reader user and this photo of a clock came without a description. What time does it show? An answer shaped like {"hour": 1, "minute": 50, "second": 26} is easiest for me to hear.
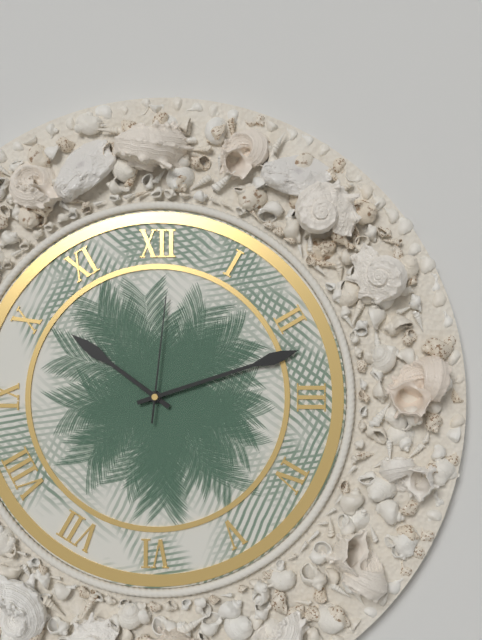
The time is {"hour": 10, "minute": 12, "second": 1}
